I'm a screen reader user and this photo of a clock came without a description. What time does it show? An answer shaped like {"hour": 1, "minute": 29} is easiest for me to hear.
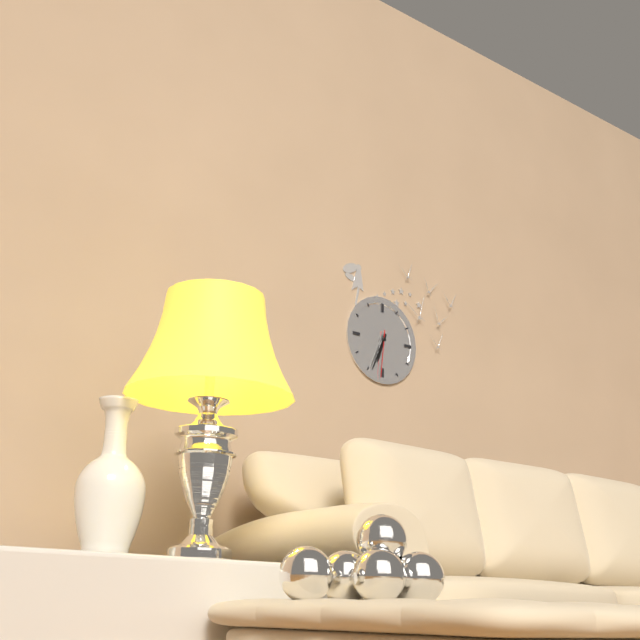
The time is {"hour": 6, "minute": 34}
